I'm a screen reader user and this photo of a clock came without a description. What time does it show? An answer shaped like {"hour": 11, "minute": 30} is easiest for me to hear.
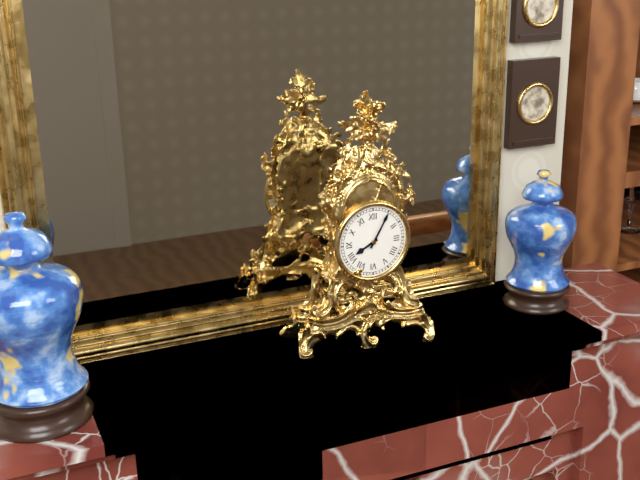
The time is {"hour": 8, "minute": 5}
